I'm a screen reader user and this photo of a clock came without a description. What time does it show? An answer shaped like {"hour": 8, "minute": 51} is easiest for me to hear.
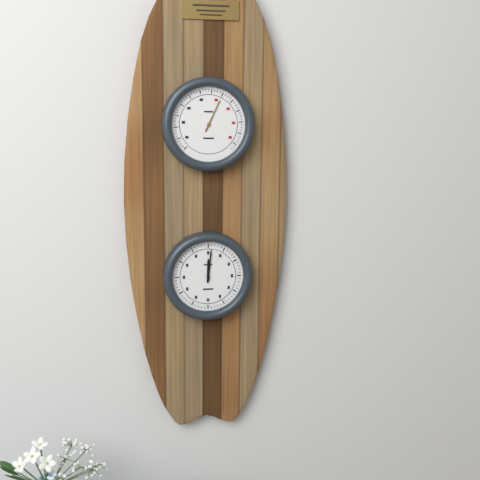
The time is {"hour": 12, "minute": 1}
